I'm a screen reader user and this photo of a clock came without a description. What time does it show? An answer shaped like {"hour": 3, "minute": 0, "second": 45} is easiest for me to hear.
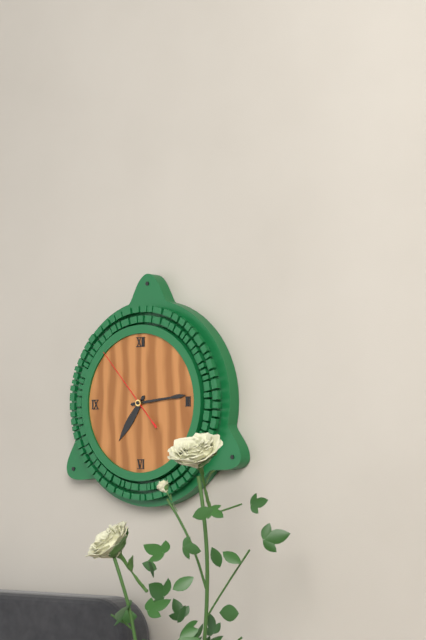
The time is {"hour": 7, "minute": 14, "second": 53}
